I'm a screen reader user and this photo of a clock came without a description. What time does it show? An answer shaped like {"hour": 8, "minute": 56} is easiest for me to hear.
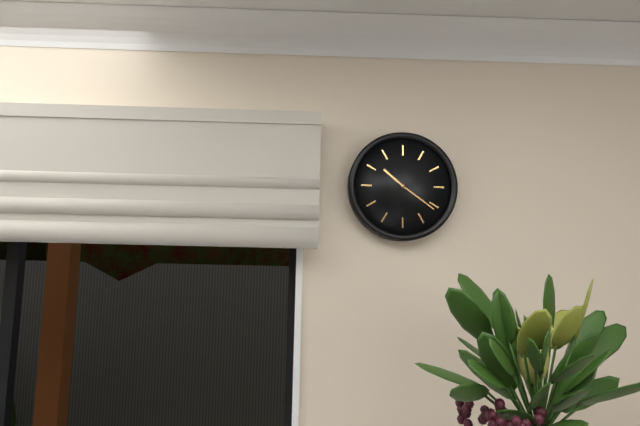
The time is {"hour": 10, "minute": 21}
